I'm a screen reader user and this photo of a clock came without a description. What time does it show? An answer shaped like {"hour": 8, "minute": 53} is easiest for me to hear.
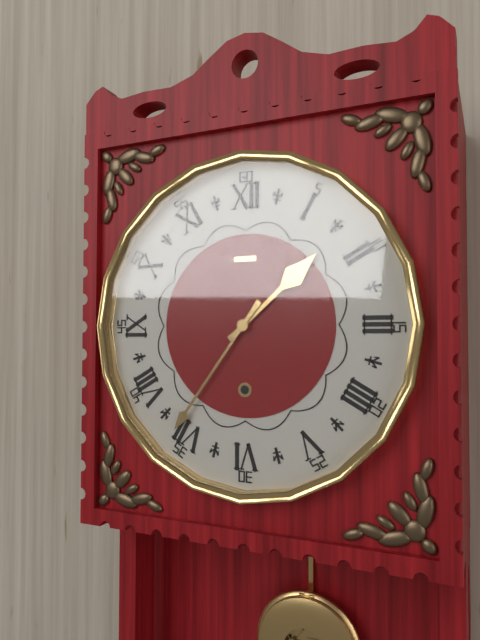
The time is {"hour": 1, "minute": 36}
